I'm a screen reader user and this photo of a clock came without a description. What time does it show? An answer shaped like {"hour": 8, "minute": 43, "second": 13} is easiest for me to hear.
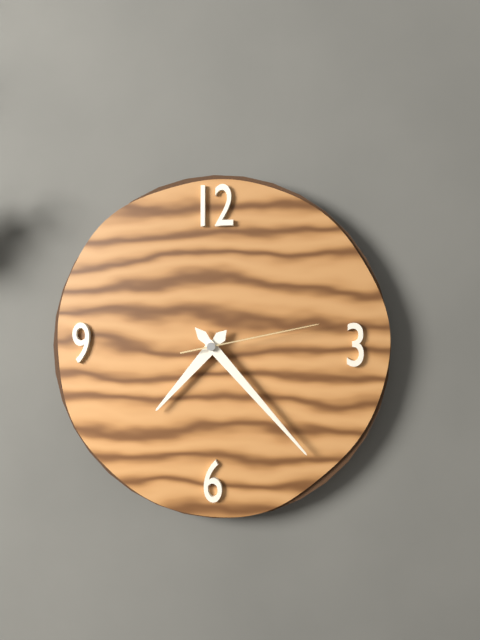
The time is {"hour": 7, "minute": 23, "second": 13}
